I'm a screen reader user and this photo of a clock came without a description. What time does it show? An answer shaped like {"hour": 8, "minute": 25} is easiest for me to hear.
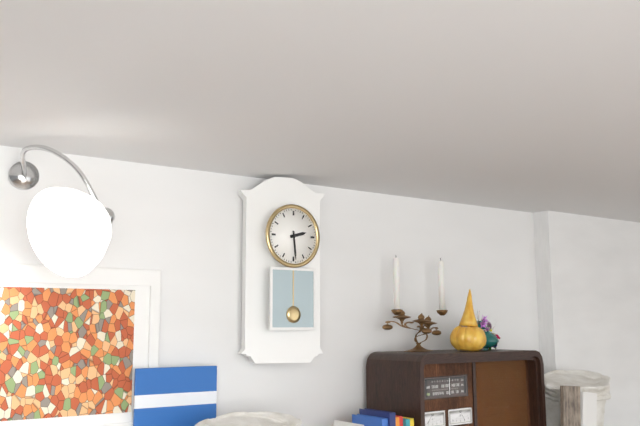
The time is {"hour": 2, "minute": 29}
